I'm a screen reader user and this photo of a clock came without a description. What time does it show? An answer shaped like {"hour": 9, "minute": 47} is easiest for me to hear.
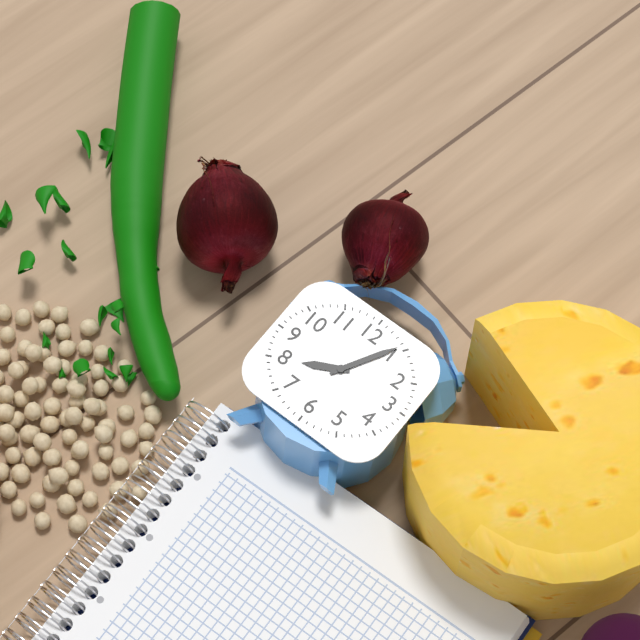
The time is {"hour": 8, "minute": 5}
